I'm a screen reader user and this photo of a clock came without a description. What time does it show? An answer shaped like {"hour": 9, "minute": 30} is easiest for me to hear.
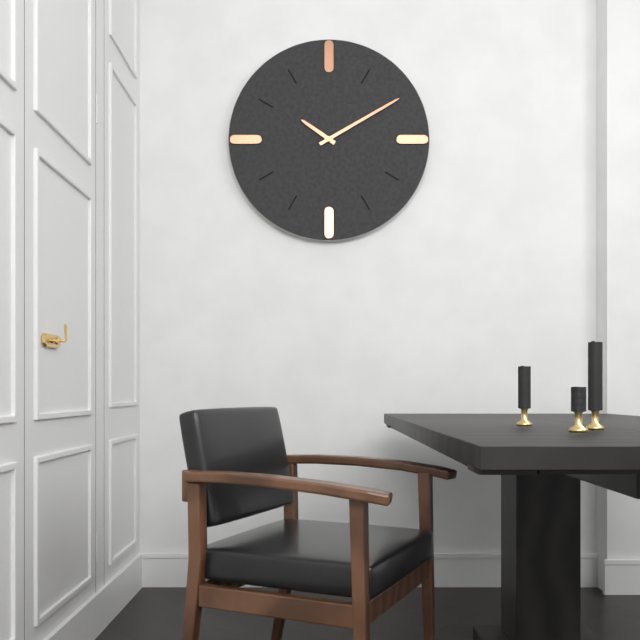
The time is {"hour": 10, "minute": 10}
